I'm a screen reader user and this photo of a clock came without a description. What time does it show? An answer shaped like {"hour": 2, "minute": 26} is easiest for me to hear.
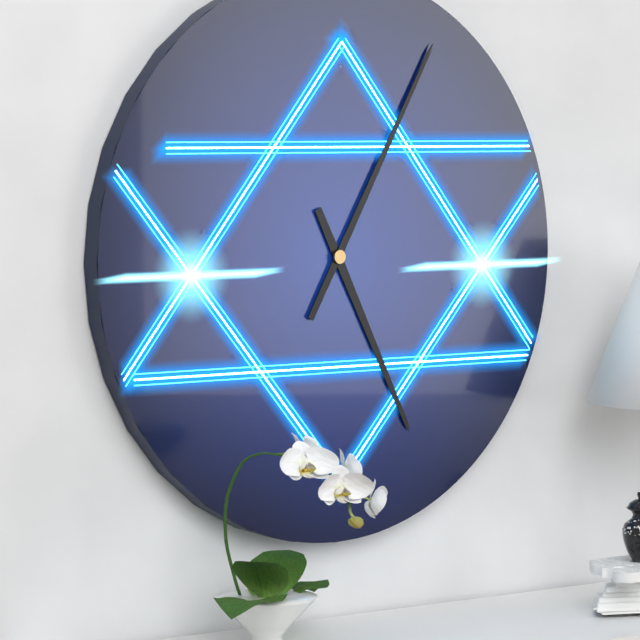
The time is {"hour": 5, "minute": 5}
